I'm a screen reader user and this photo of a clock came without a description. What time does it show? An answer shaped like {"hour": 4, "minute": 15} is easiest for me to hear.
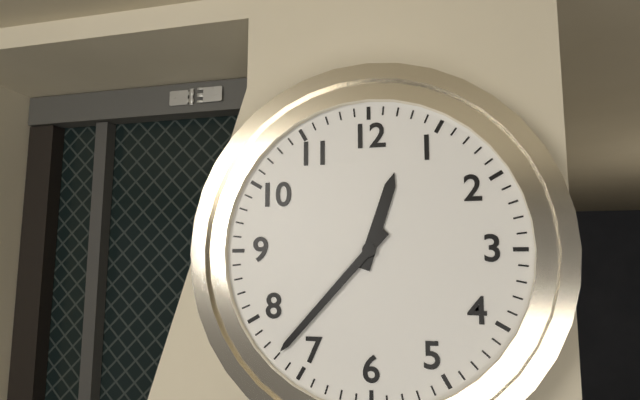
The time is {"hour": 12, "minute": 37}
